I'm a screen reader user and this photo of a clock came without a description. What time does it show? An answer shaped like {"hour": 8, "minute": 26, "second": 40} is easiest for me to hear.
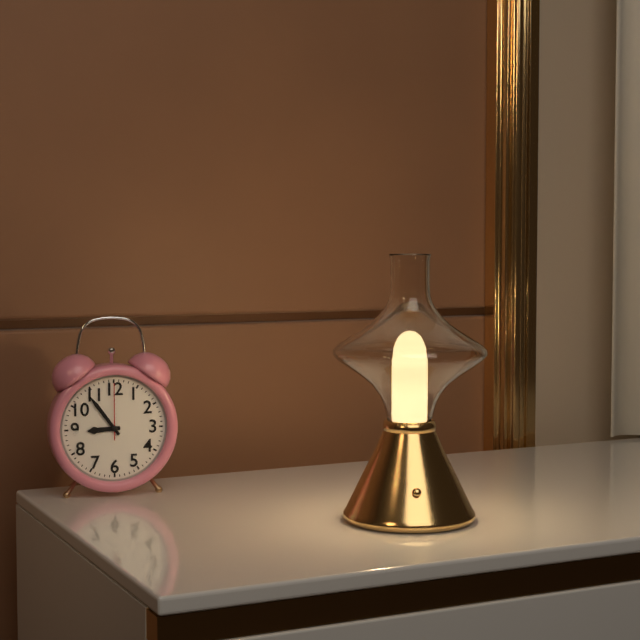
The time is {"hour": 8, "minute": 54, "second": 0}
